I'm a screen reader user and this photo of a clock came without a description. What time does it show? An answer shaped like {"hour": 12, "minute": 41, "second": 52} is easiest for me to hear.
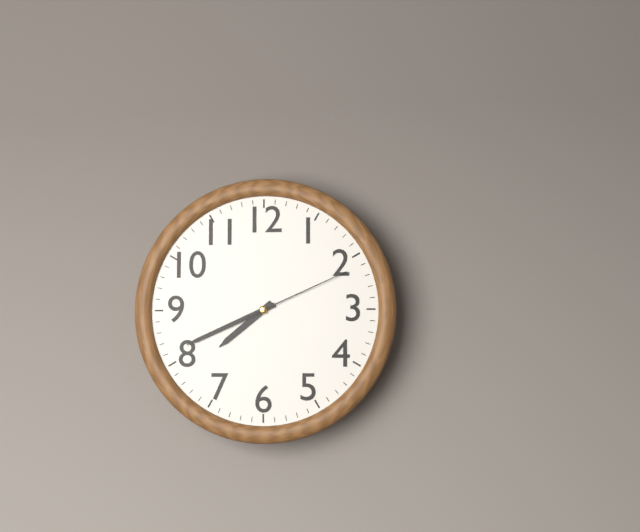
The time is {"hour": 7, "minute": 41, "second": 11}
